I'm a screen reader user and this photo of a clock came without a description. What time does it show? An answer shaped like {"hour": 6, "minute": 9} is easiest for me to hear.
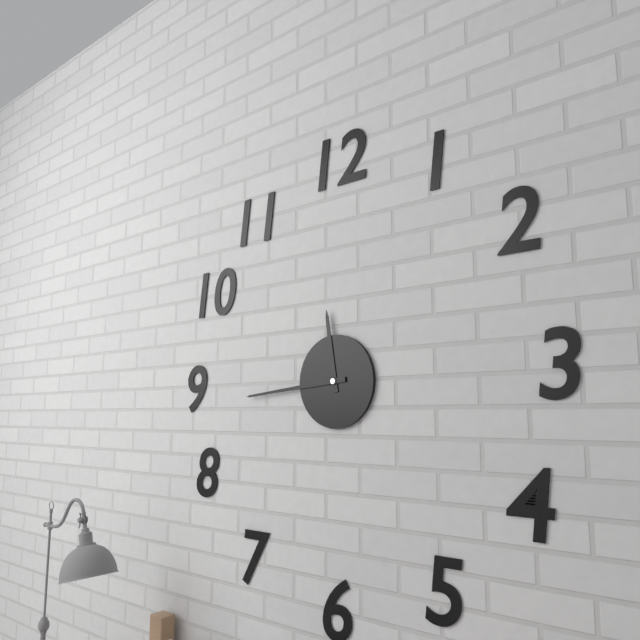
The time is {"hour": 11, "minute": 44}
